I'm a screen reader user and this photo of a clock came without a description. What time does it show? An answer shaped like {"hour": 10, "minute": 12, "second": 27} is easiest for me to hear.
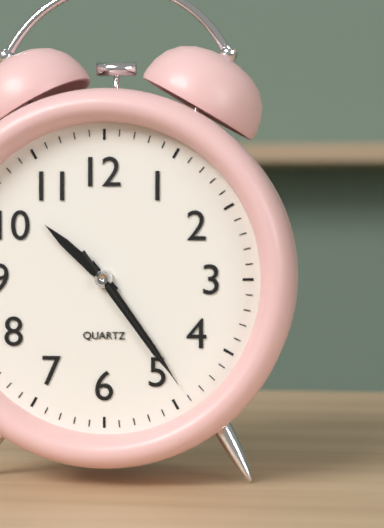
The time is {"hour": 10, "minute": 24, "second": 24}
